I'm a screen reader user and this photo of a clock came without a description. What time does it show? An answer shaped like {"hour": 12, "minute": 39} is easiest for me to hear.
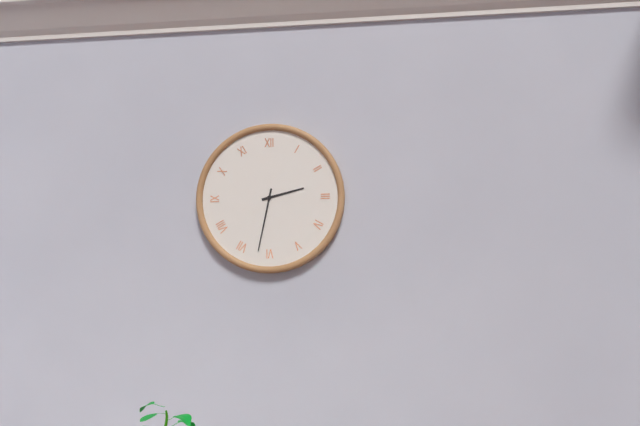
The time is {"hour": 2, "minute": 32}
